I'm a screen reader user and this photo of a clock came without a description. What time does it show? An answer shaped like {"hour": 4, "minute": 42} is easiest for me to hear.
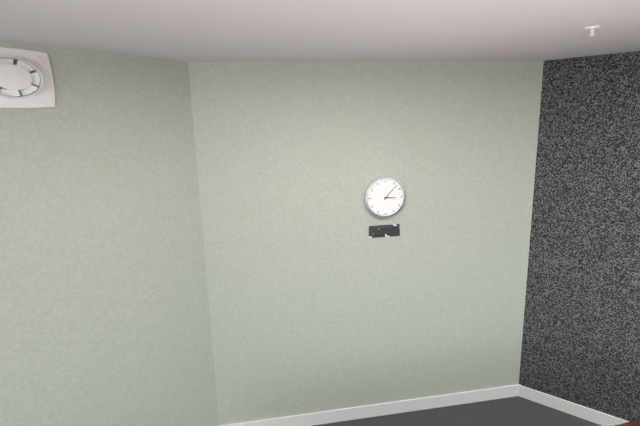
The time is {"hour": 3, "minute": 7}
